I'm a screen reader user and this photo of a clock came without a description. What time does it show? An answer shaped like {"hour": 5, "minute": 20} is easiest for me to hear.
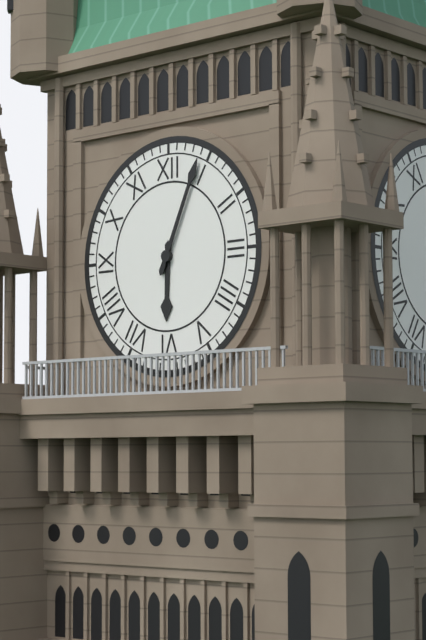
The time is {"hour": 6, "minute": 4}
